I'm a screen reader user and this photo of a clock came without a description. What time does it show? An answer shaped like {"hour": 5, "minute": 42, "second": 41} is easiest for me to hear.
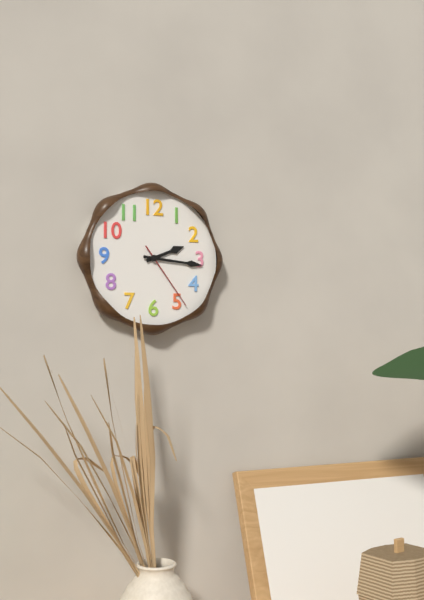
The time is {"hour": 2, "minute": 16, "second": 24}
